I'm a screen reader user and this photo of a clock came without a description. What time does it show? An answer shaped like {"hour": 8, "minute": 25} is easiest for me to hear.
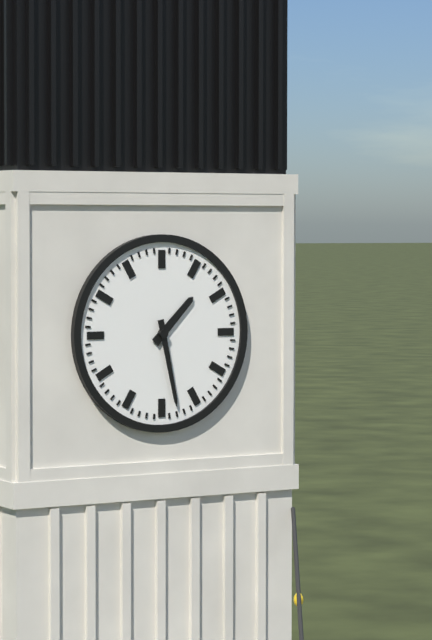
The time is {"hour": 1, "minute": 28}
